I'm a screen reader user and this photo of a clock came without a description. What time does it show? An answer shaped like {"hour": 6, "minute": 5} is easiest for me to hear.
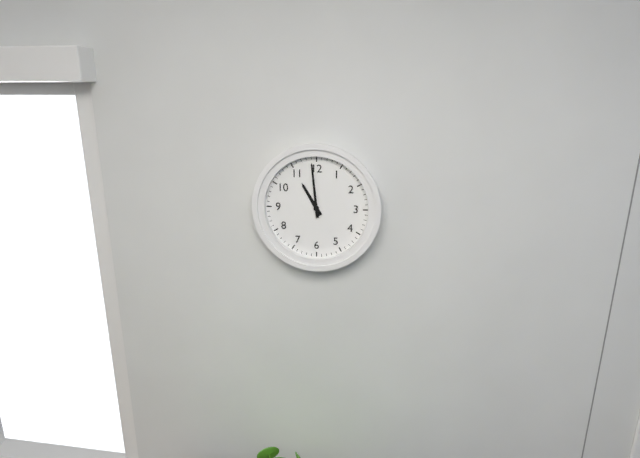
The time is {"hour": 10, "minute": 59}
